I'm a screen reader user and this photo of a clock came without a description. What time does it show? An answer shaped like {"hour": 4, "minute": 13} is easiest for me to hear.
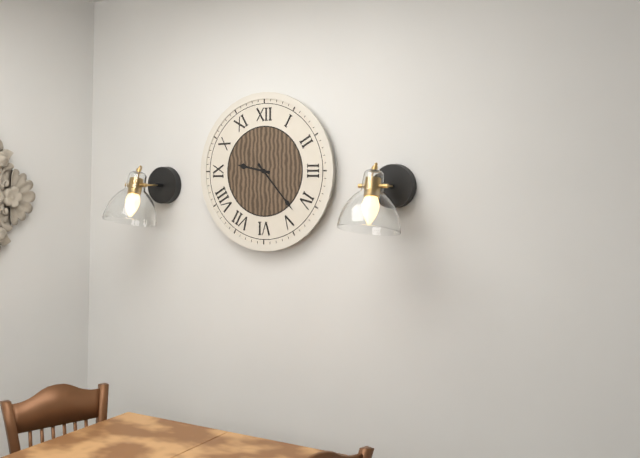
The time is {"hour": 9, "minute": 23}
